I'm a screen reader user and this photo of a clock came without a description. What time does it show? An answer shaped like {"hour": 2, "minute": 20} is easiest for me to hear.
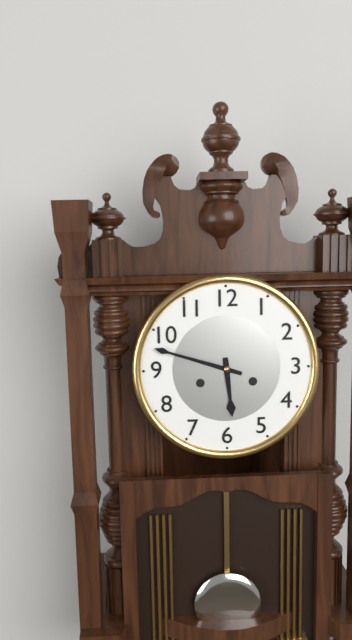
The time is {"hour": 5, "minute": 48}
